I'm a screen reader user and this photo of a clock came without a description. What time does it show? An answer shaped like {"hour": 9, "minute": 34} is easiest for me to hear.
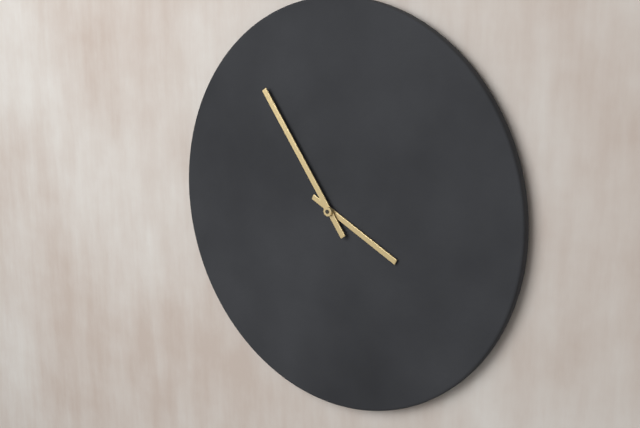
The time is {"hour": 3, "minute": 54}
